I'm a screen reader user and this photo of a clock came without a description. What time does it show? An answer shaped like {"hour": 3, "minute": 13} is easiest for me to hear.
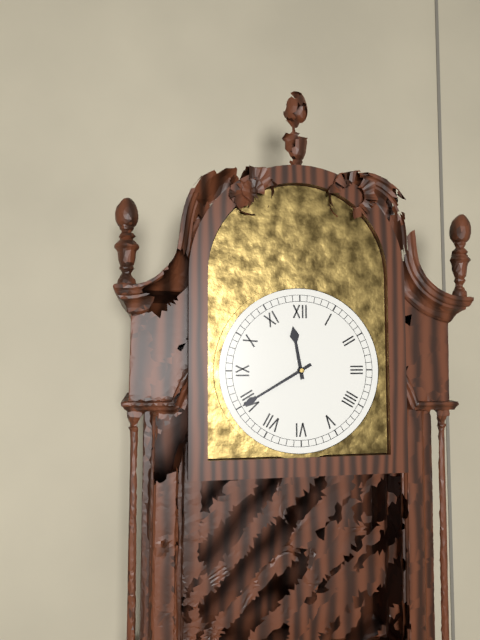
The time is {"hour": 11, "minute": 40}
